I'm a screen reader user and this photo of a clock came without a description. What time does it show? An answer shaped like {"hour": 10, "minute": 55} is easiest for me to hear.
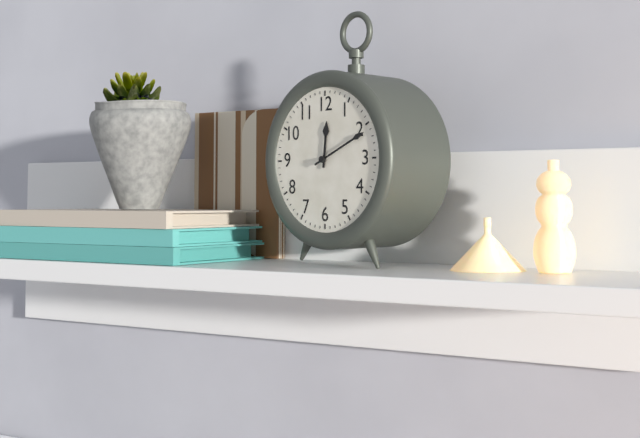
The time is {"hour": 12, "minute": 11}
